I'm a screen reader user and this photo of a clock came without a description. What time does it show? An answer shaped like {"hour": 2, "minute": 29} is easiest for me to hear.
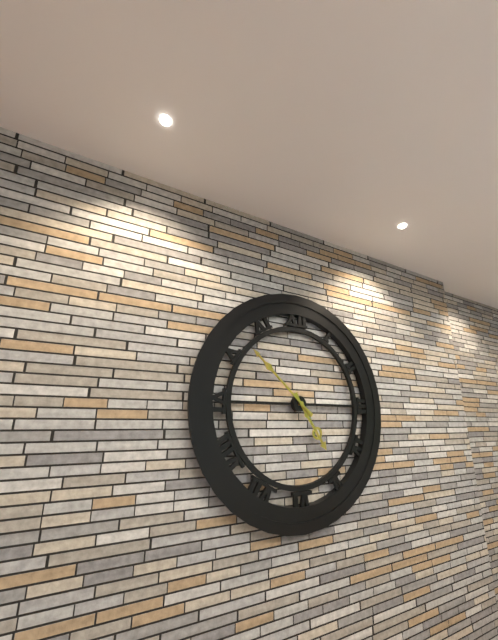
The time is {"hour": 4, "minute": 52}
